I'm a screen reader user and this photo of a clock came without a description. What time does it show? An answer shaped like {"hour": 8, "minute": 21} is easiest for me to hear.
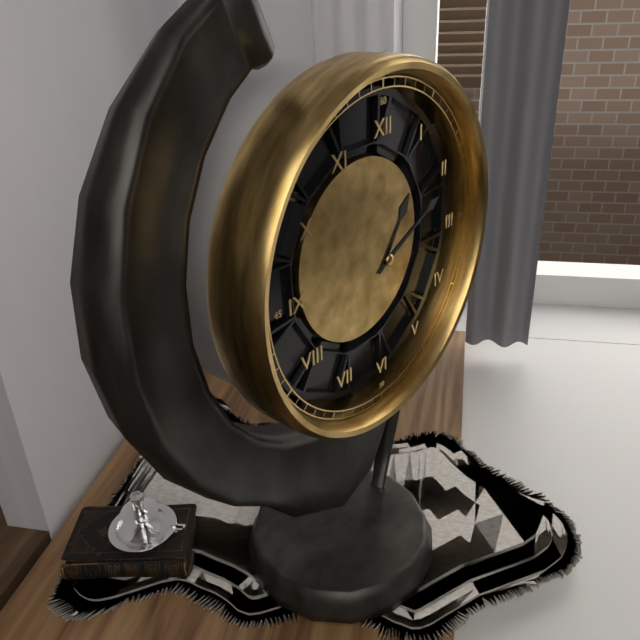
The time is {"hour": 1, "minute": 11}
